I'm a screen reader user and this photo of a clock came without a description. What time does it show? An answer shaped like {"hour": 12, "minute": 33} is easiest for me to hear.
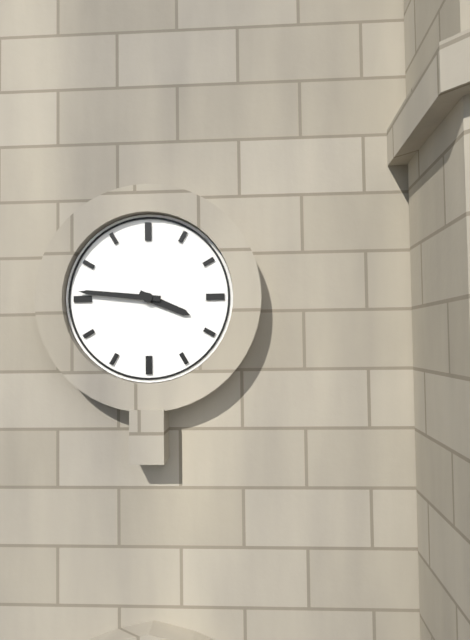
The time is {"hour": 3, "minute": 46}
